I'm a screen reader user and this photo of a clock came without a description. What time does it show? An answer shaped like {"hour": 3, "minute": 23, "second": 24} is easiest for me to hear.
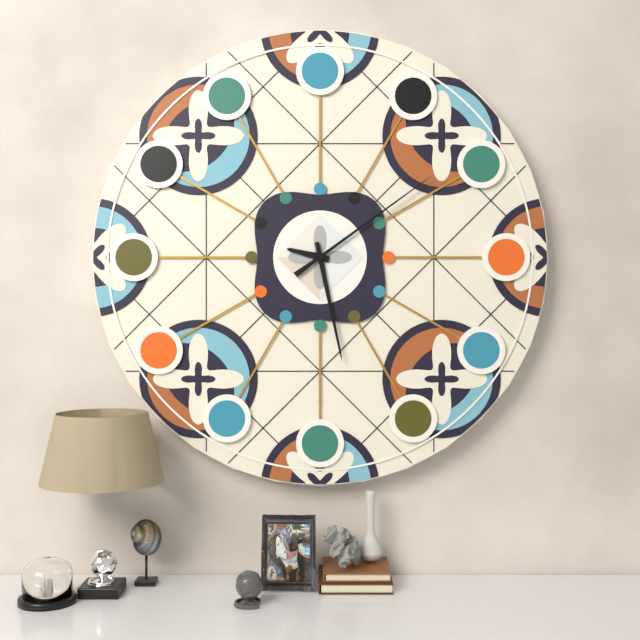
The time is {"hour": 9, "minute": 28, "second": 9}
